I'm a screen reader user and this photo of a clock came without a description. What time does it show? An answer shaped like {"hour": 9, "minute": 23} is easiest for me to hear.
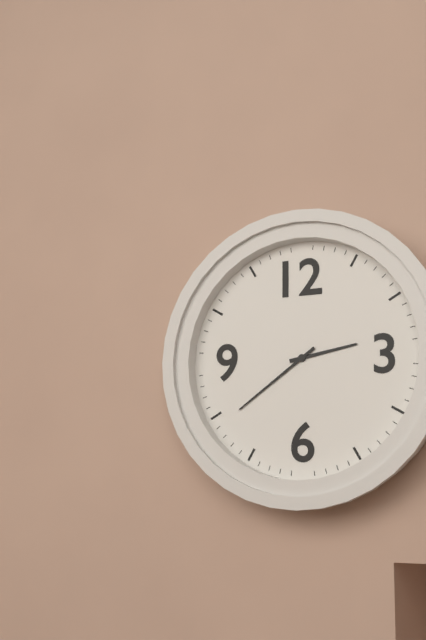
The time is {"hour": 2, "minute": 39}
